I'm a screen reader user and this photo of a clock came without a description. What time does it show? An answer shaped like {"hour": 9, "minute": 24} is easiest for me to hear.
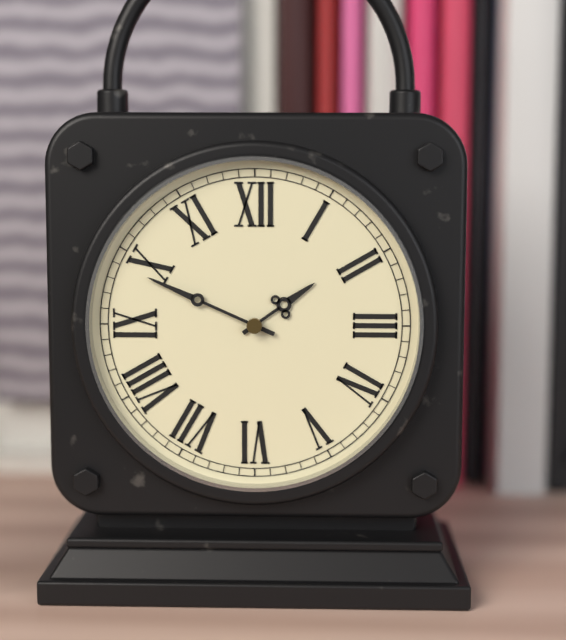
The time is {"hour": 1, "minute": 49}
